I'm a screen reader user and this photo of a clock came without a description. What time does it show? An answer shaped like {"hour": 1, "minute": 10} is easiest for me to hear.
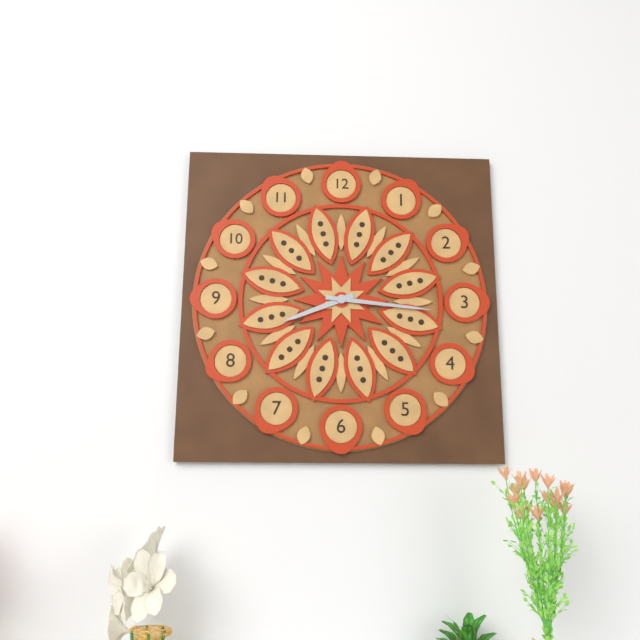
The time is {"hour": 8, "minute": 16}
